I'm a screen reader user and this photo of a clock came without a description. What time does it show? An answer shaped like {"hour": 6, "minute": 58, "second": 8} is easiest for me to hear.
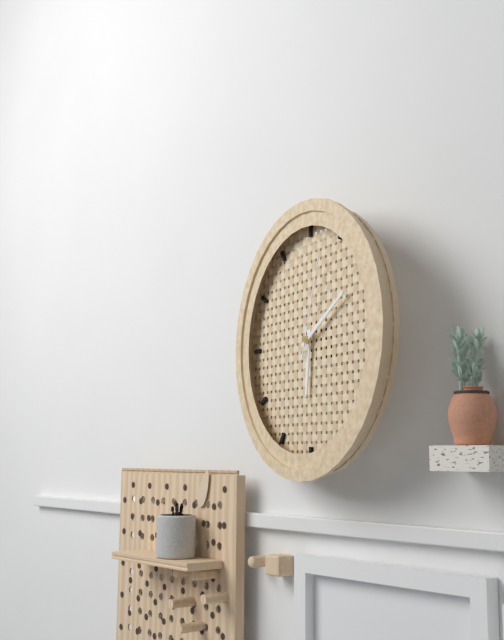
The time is {"hour": 6, "minute": 10, "second": 3}
